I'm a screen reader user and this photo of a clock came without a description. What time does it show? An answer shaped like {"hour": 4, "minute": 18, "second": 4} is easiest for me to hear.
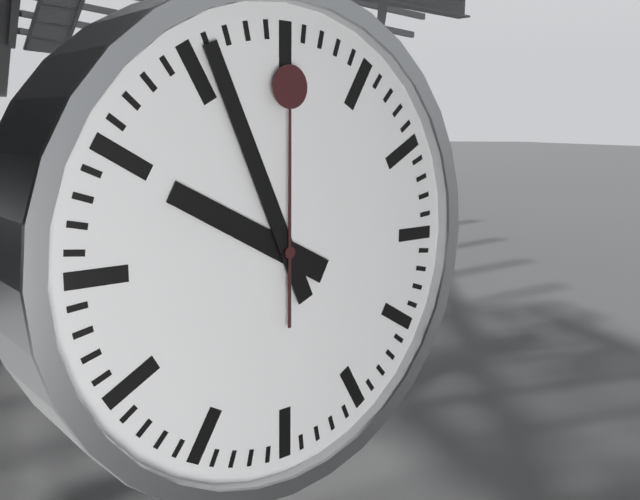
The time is {"hour": 9, "minute": 56, "second": 0}
